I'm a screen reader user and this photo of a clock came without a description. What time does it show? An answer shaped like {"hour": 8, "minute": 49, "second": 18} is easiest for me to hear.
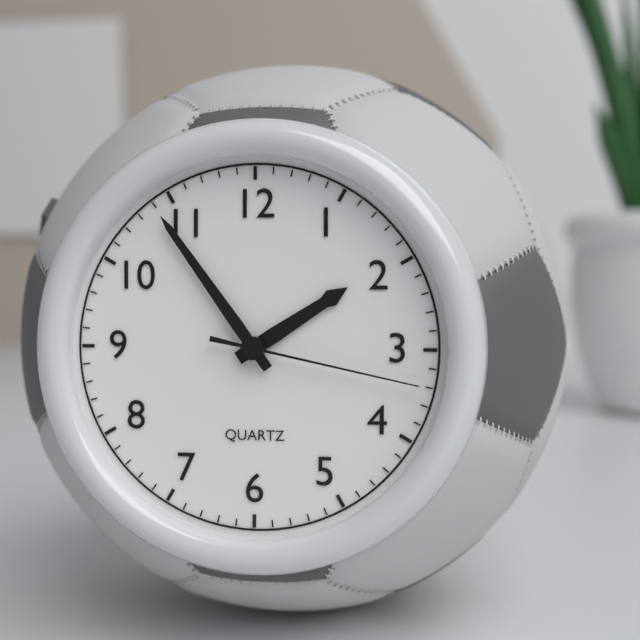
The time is {"hour": 1, "minute": 54, "second": 17}
